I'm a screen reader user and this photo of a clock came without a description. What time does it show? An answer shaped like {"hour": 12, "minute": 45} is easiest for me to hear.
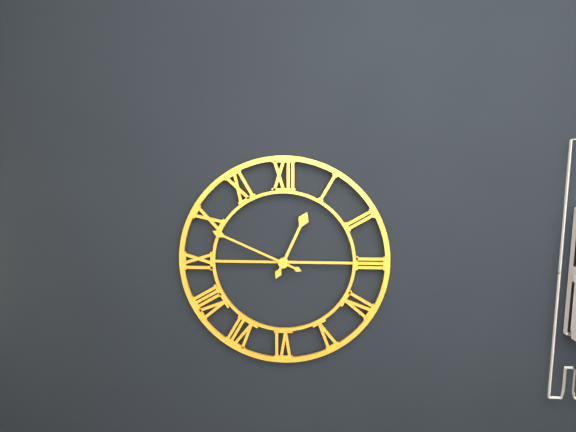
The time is {"hour": 12, "minute": 49}
